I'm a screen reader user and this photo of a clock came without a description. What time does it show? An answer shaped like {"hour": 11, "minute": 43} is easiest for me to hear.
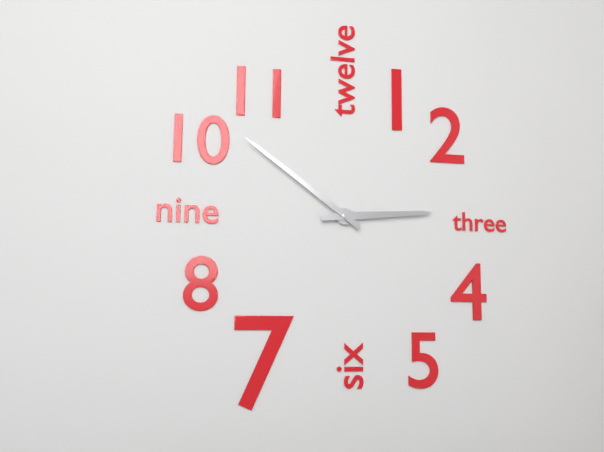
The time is {"hour": 2, "minute": 51}
